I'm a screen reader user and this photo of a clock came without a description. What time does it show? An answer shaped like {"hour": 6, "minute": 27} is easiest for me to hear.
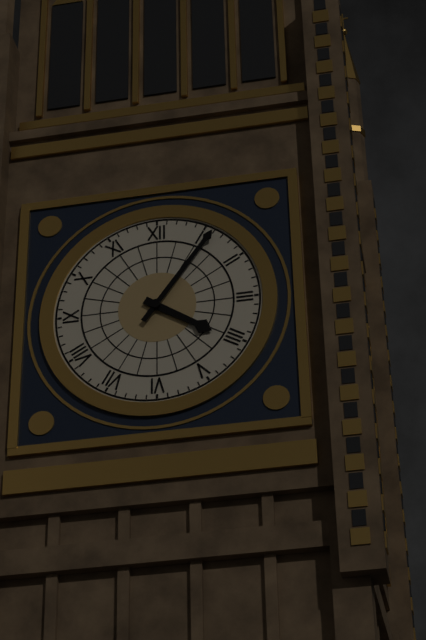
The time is {"hour": 4, "minute": 6}
